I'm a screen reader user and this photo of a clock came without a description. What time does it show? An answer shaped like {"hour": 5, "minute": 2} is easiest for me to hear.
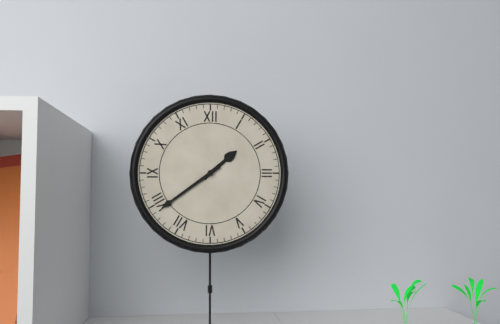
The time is {"hour": 1, "minute": 39}
